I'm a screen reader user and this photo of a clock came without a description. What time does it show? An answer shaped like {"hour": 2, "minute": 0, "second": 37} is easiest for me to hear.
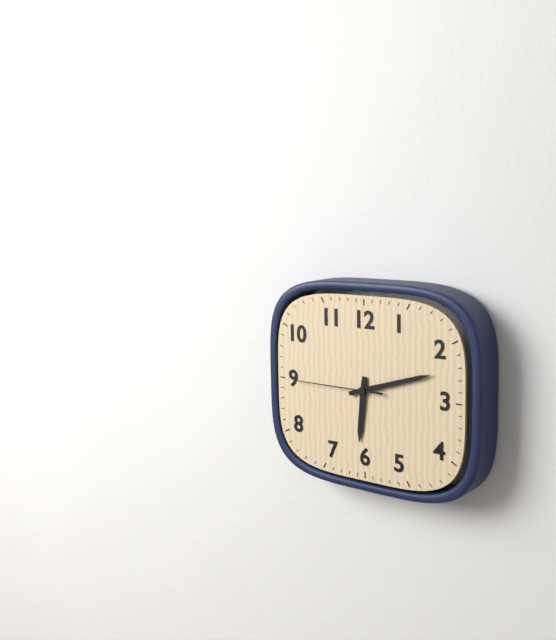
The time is {"hour": 6, "minute": 12, "second": 45}
